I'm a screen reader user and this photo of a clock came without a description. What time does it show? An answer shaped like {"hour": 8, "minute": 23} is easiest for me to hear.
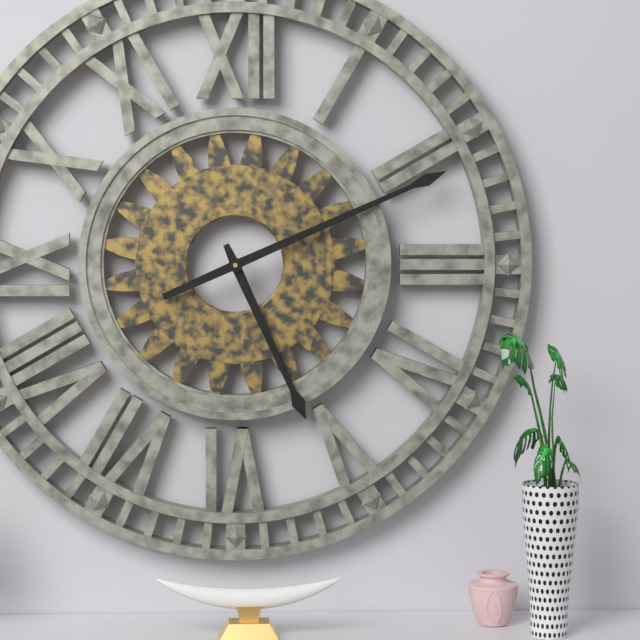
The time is {"hour": 5, "minute": 11}
